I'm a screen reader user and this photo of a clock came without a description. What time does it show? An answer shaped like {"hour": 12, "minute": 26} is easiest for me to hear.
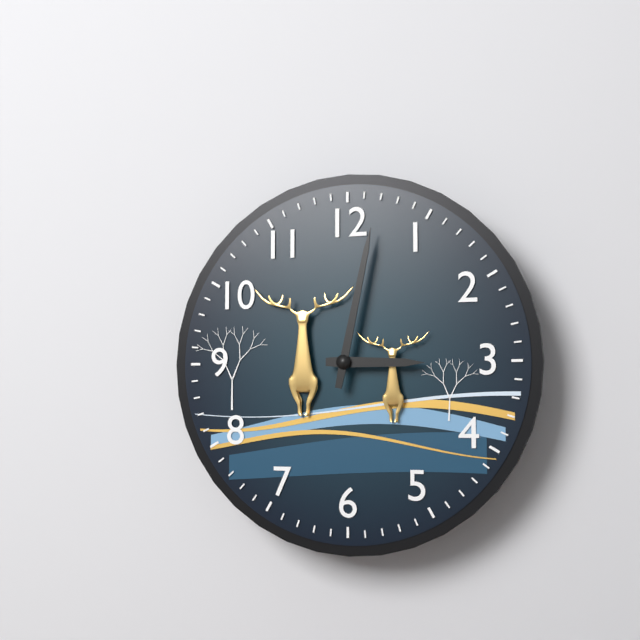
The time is {"hour": 3, "minute": 2}
